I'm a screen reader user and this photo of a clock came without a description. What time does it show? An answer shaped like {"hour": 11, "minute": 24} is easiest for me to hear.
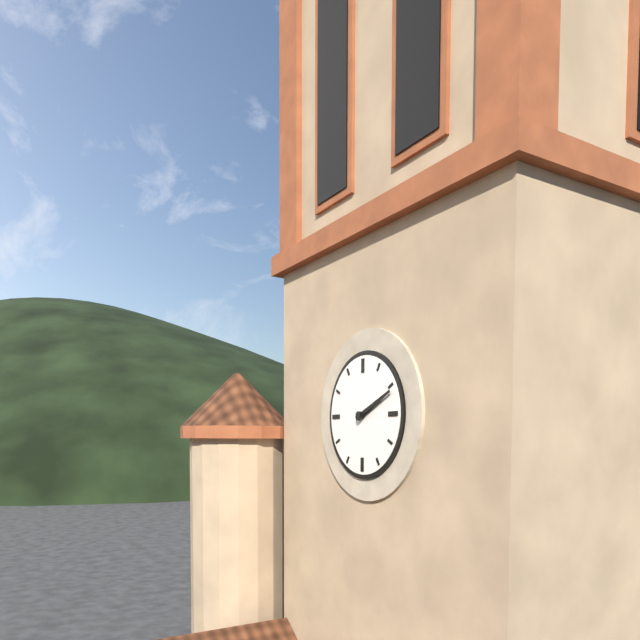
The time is {"hour": 2, "minute": 11}
